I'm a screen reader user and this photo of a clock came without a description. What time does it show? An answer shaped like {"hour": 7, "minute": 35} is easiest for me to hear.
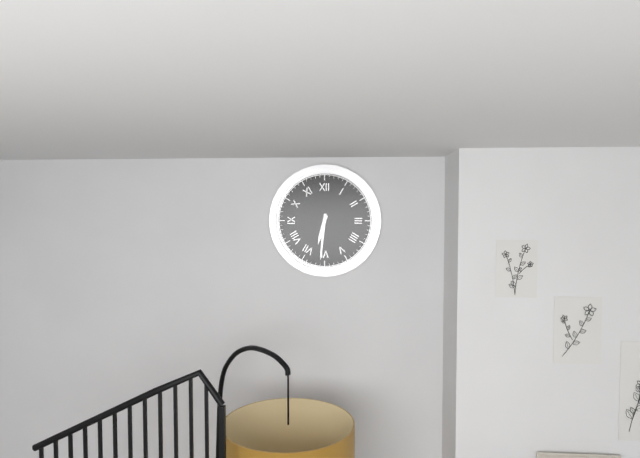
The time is {"hour": 6, "minute": 31}
